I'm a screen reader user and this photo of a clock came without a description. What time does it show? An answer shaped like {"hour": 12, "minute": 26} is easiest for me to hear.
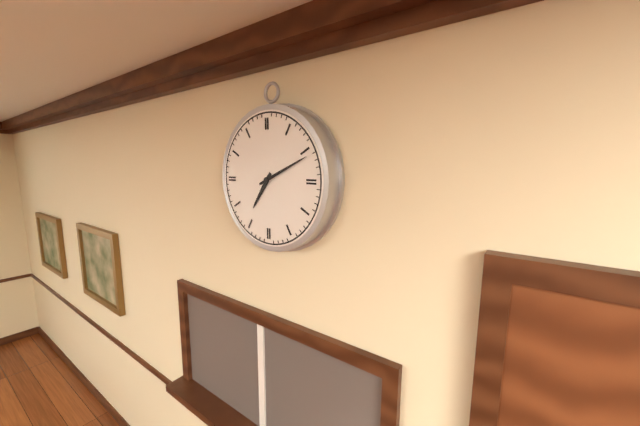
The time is {"hour": 7, "minute": 11}
